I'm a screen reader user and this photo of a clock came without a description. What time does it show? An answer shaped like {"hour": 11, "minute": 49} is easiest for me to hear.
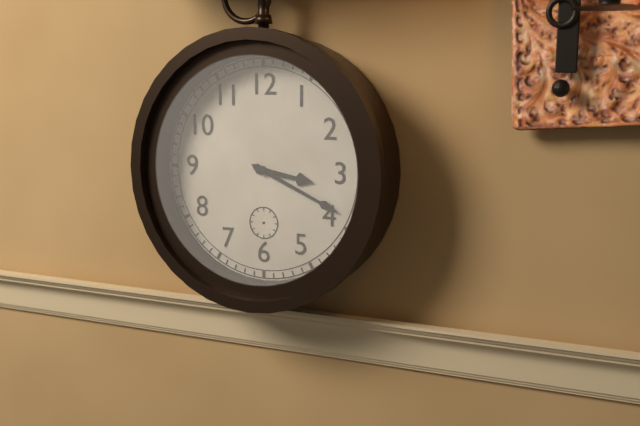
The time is {"hour": 3, "minute": 19}
